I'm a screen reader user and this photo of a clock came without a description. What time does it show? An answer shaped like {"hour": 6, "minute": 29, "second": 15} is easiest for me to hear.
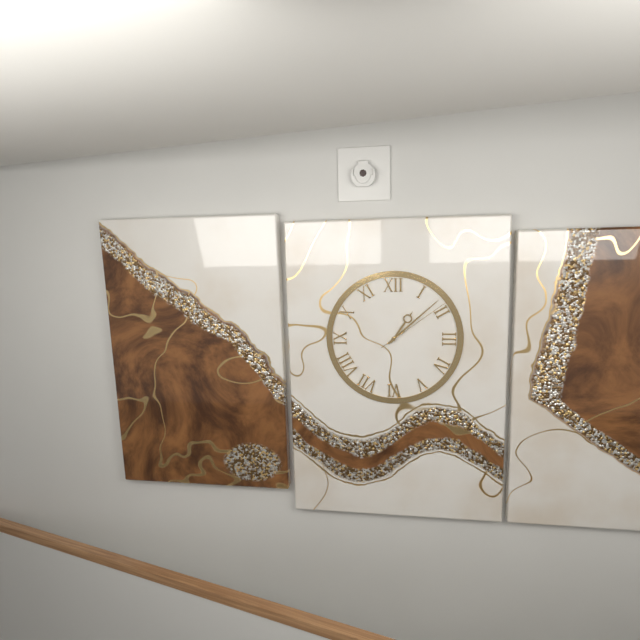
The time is {"hour": 1, "minute": 8, "second": 9}
